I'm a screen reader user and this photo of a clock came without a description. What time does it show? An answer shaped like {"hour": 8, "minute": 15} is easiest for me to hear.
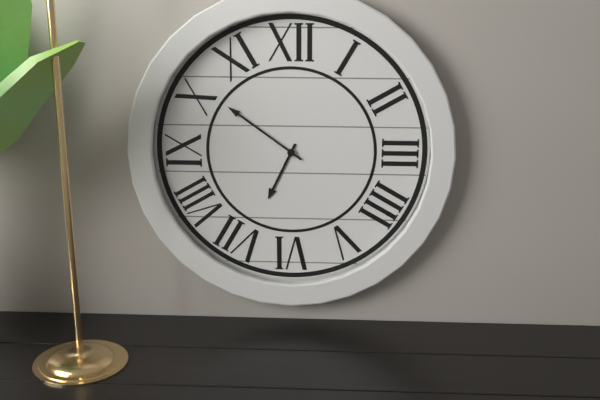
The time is {"hour": 6, "minute": 51}
